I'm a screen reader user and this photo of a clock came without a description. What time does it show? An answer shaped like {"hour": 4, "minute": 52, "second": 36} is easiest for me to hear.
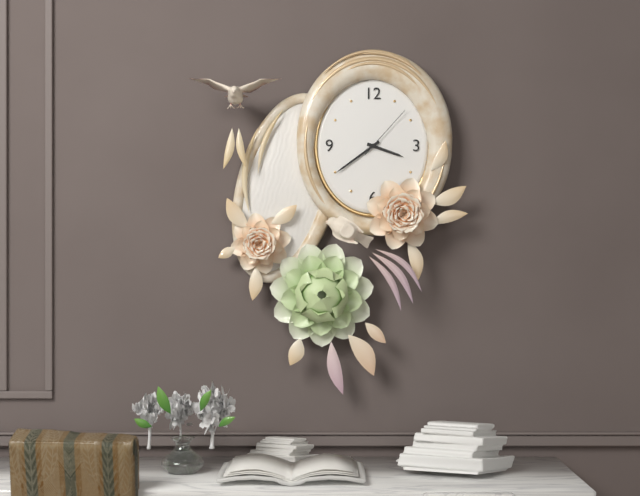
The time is {"hour": 3, "minute": 39, "second": 7}
